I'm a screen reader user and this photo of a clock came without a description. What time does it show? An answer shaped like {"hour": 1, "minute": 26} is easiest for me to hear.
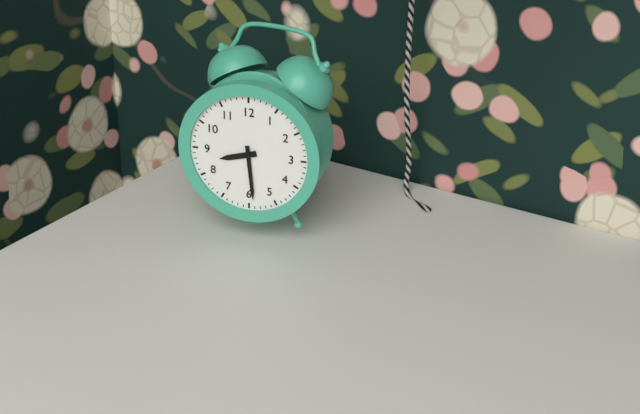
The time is {"hour": 8, "minute": 29}
